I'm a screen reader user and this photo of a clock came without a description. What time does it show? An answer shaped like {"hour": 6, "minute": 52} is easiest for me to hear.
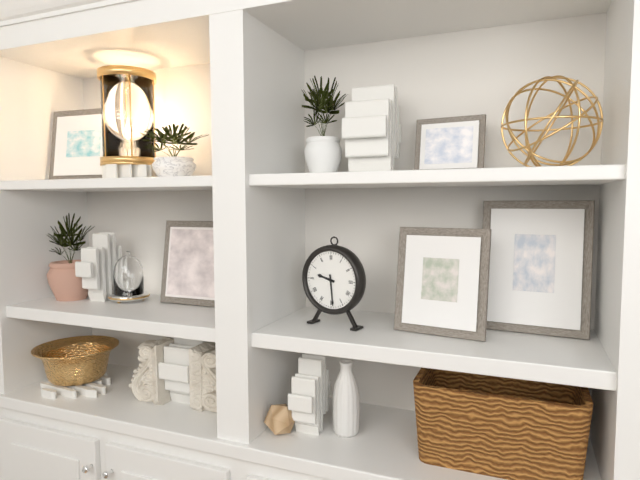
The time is {"hour": 9, "minute": 29}
